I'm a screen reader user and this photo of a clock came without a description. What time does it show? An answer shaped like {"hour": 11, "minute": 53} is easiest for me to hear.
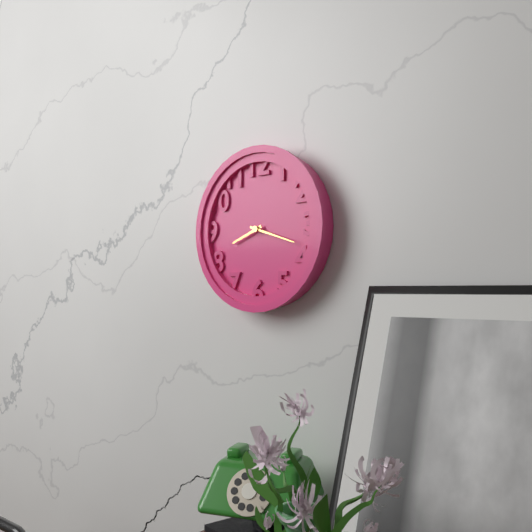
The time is {"hour": 8, "minute": 18}
